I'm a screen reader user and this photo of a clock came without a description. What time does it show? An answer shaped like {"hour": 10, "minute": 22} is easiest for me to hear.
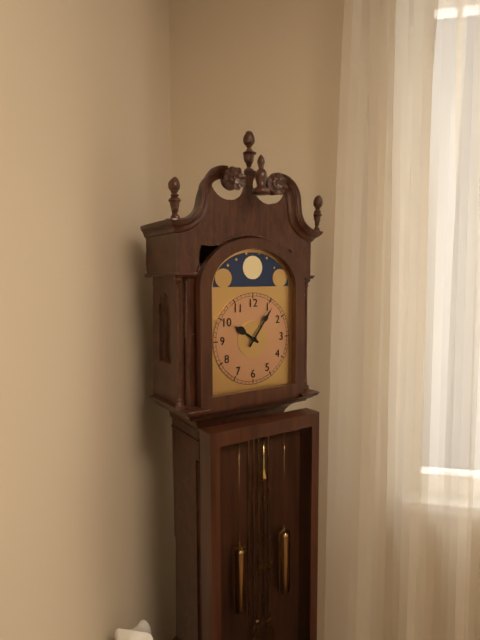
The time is {"hour": 10, "minute": 6}
